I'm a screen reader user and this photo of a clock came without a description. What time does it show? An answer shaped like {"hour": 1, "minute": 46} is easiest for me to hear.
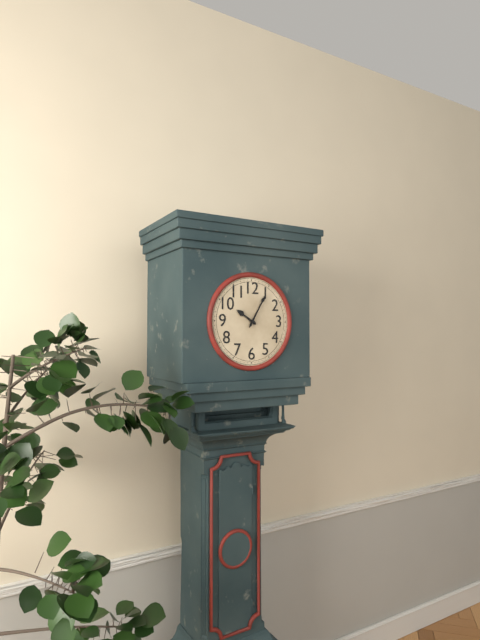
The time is {"hour": 10, "minute": 5}
